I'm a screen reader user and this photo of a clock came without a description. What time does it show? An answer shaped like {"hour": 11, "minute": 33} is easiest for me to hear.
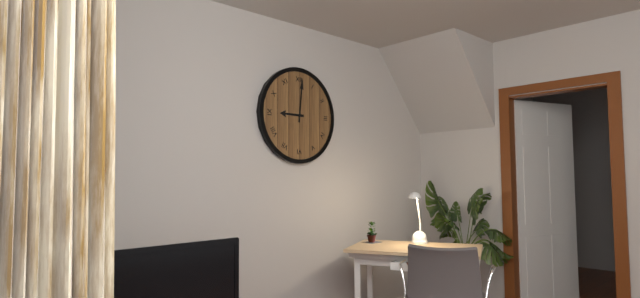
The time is {"hour": 9, "minute": 1}
